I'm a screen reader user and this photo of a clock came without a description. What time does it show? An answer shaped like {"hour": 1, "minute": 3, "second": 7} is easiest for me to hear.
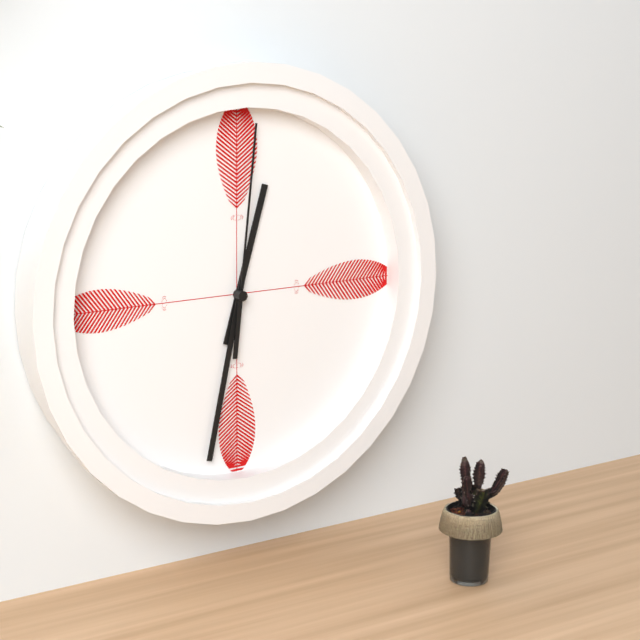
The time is {"hour": 12, "minute": 32, "second": 1}
